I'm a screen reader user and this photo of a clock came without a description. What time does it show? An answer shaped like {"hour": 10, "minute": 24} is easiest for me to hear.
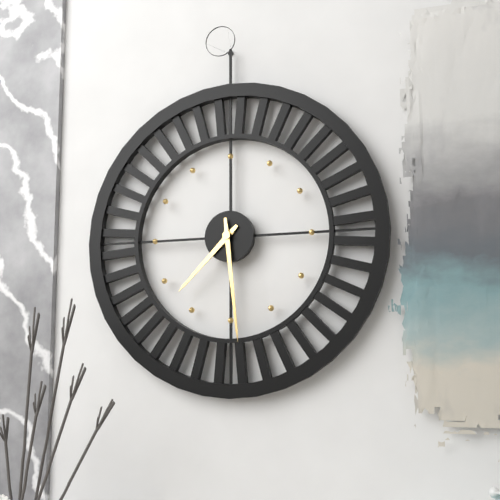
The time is {"hour": 7, "minute": 29}
